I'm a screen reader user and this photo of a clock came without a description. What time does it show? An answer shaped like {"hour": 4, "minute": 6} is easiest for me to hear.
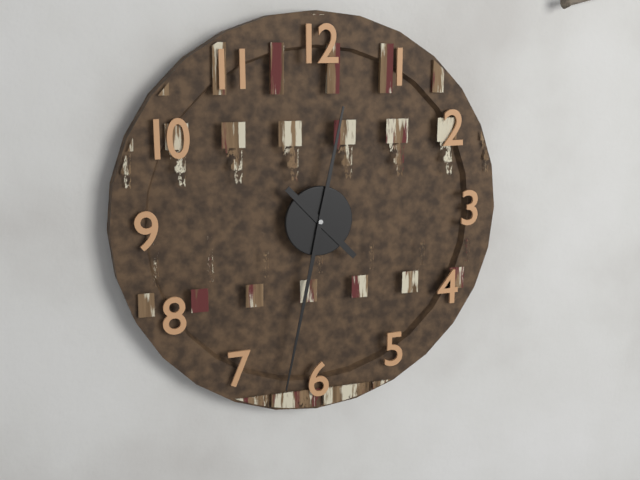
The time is {"hour": 4, "minute": 32}
